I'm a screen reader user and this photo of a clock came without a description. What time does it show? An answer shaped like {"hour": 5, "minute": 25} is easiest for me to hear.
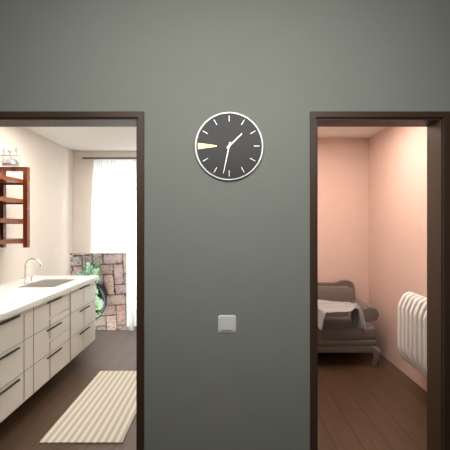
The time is {"hour": 1, "minute": 32}
